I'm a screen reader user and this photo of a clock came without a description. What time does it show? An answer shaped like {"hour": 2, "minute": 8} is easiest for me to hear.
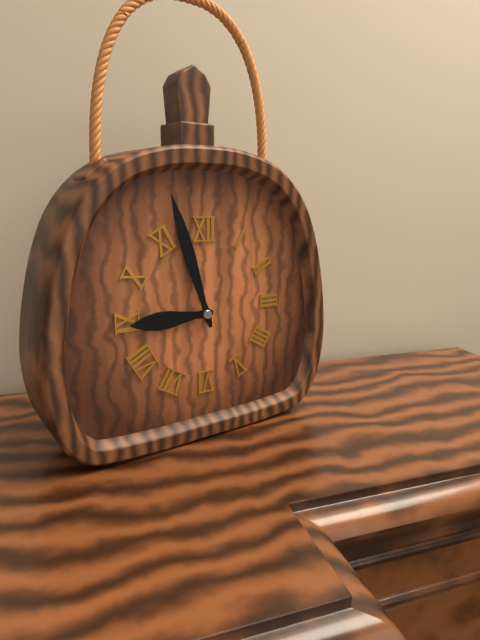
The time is {"hour": 8, "minute": 57}
